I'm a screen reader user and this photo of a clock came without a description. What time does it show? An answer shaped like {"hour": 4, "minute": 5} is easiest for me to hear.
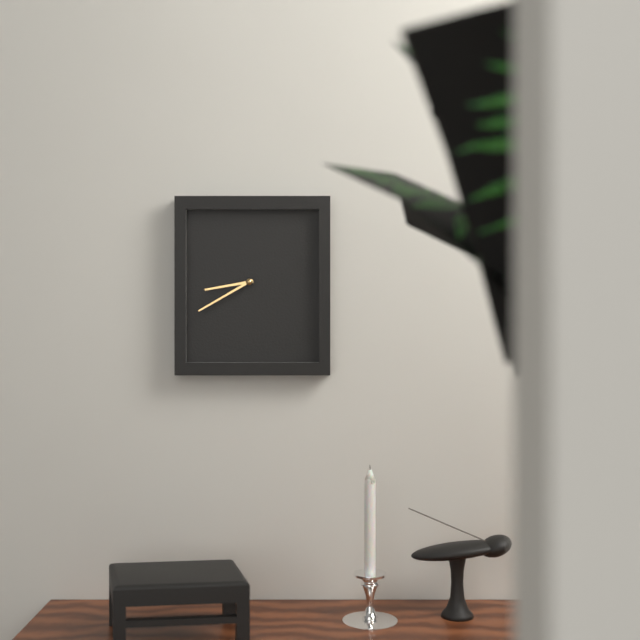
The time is {"hour": 8, "minute": 40}
